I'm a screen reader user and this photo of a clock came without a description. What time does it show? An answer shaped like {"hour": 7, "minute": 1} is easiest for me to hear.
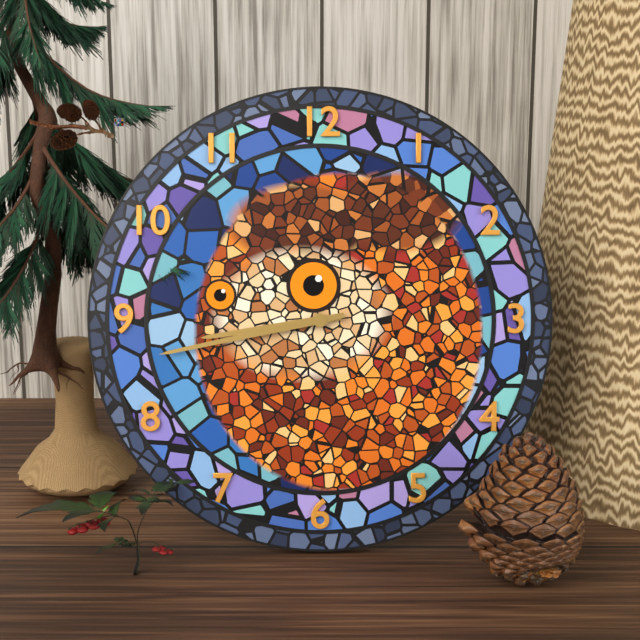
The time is {"hour": 8, "minute": 43}
